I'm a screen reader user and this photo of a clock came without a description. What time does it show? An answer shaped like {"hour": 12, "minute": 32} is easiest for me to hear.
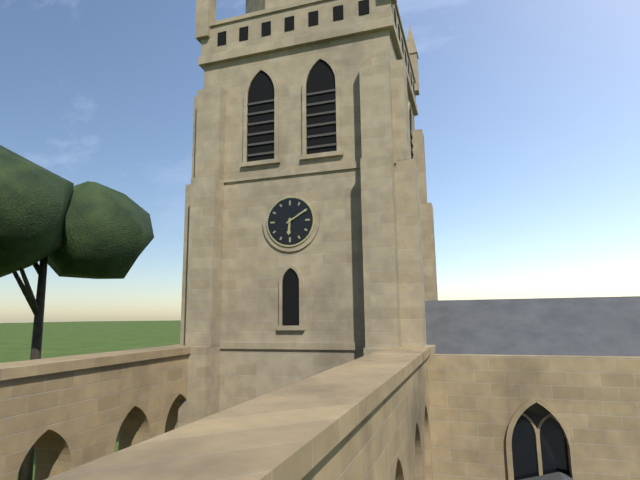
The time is {"hour": 6, "minute": 10}
